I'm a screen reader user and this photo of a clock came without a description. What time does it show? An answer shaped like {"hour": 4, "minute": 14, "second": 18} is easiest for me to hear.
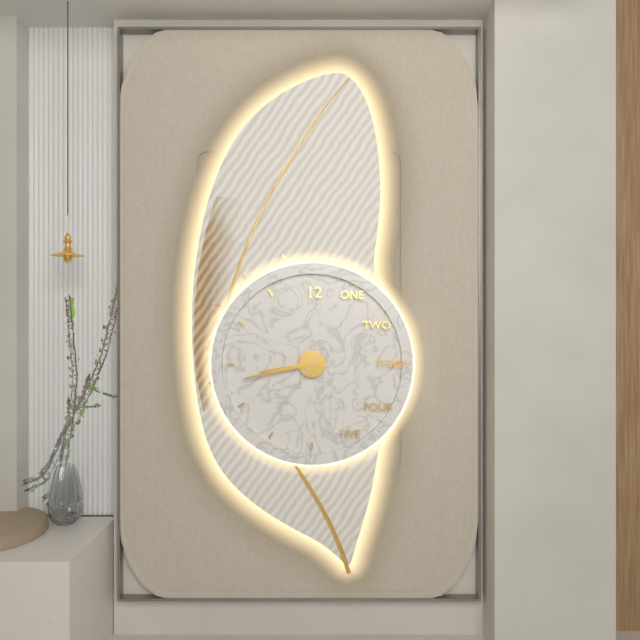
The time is {"hour": 8, "minute": 43, "second": 36}
